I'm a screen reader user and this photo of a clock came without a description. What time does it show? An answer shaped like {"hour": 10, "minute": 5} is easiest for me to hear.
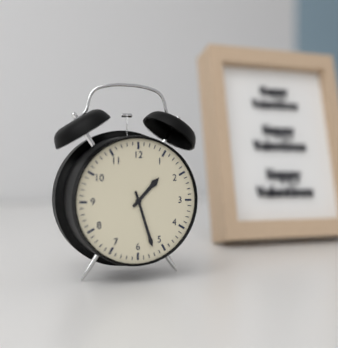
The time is {"hour": 1, "minute": 27}
